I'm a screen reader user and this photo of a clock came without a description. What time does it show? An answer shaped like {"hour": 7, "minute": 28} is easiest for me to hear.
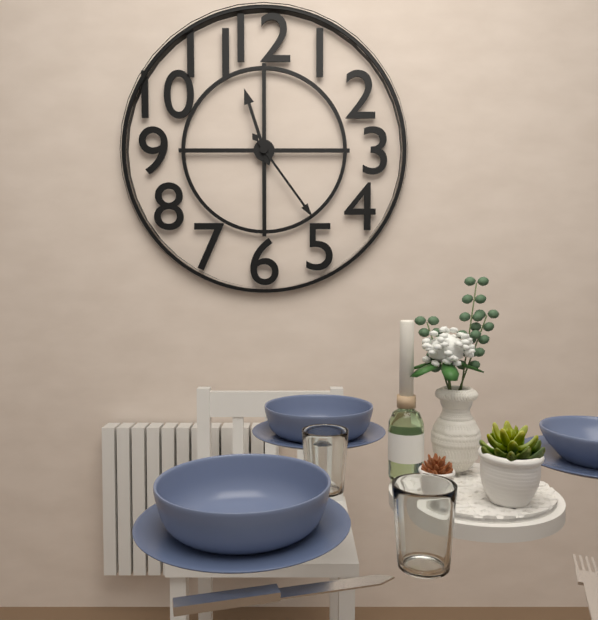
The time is {"hour": 11, "minute": 24}
